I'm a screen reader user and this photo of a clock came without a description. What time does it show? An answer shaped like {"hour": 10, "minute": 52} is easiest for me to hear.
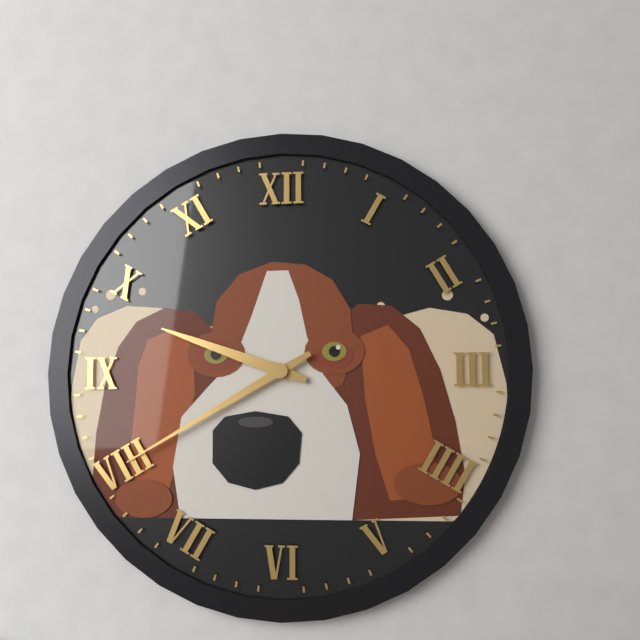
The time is {"hour": 9, "minute": 40}
